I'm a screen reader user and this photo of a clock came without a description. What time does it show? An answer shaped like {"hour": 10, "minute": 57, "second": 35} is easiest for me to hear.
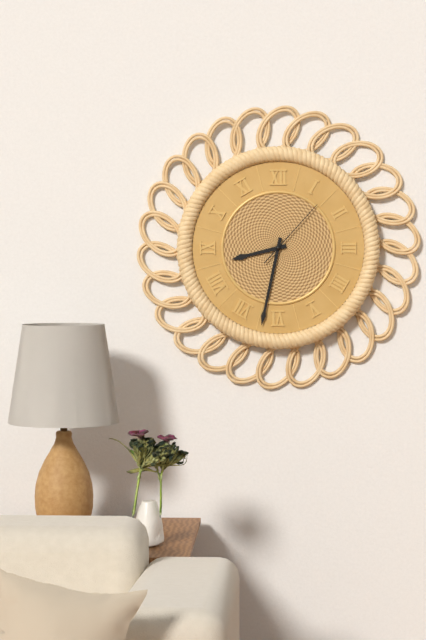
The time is {"hour": 8, "minute": 32, "second": 7}
